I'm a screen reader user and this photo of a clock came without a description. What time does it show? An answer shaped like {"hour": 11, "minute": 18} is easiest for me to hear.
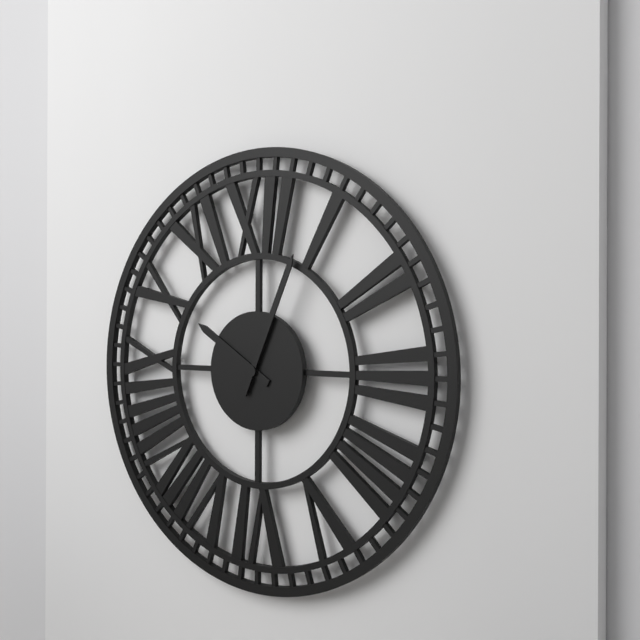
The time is {"hour": 10, "minute": 4}
